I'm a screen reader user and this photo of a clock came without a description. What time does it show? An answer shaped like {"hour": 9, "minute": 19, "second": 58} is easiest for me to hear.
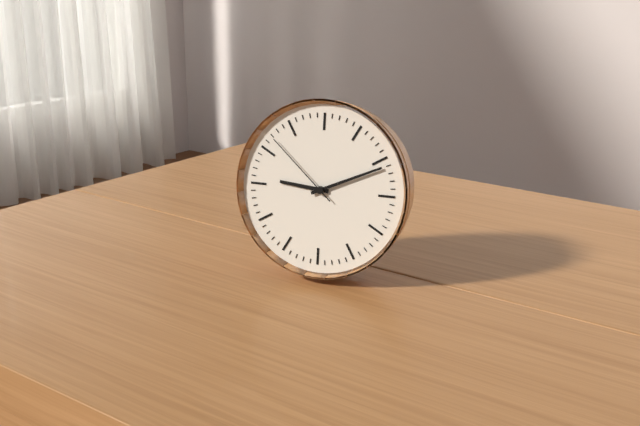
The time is {"hour": 9, "minute": 11, "second": 52}
